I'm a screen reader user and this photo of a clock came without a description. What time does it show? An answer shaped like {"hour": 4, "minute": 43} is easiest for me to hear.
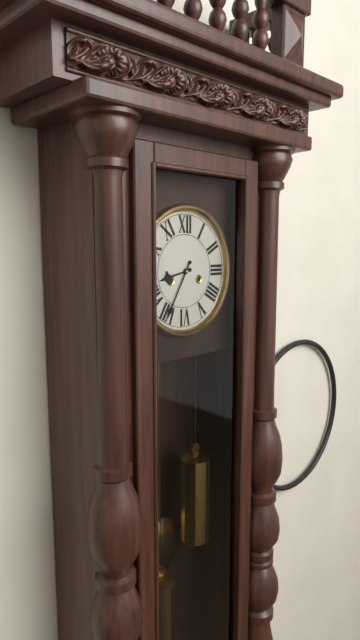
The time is {"hour": 8, "minute": 35}
